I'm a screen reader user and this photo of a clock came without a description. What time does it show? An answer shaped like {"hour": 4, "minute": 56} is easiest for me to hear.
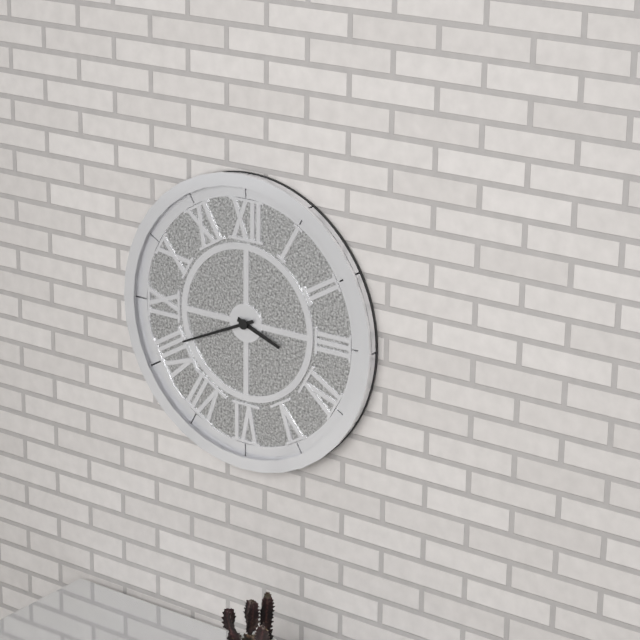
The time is {"hour": 3, "minute": 41}
